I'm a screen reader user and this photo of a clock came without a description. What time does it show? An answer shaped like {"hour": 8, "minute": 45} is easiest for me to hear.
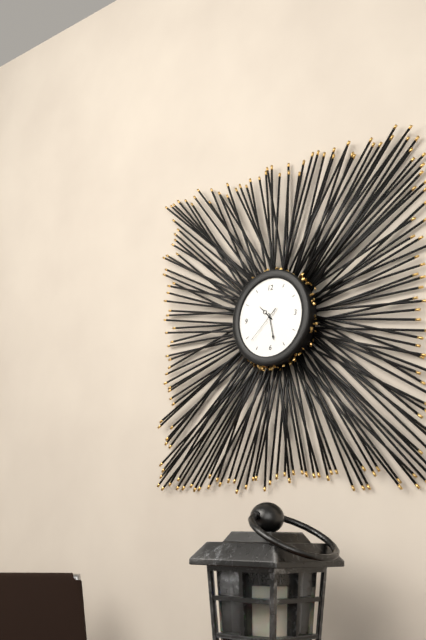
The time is {"hour": 10, "minute": 28}
